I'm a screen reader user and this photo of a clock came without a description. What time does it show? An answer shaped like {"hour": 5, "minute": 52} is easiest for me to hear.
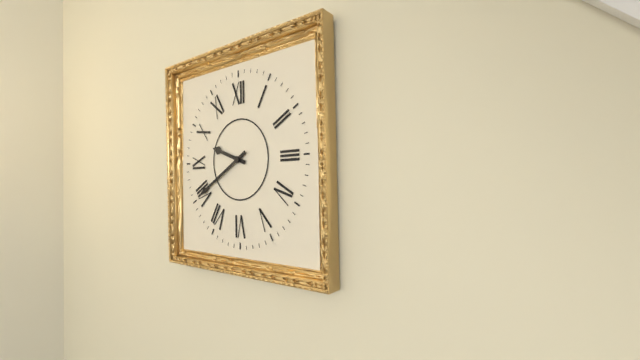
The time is {"hour": 9, "minute": 40}
